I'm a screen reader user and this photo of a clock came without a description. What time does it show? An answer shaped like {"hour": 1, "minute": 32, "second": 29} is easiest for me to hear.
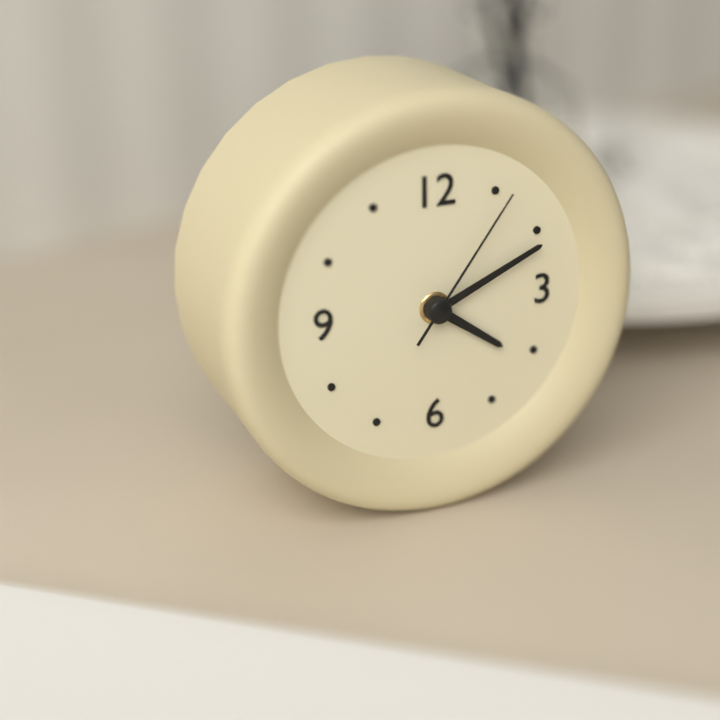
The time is {"hour": 4, "minute": 11, "second": 6}
